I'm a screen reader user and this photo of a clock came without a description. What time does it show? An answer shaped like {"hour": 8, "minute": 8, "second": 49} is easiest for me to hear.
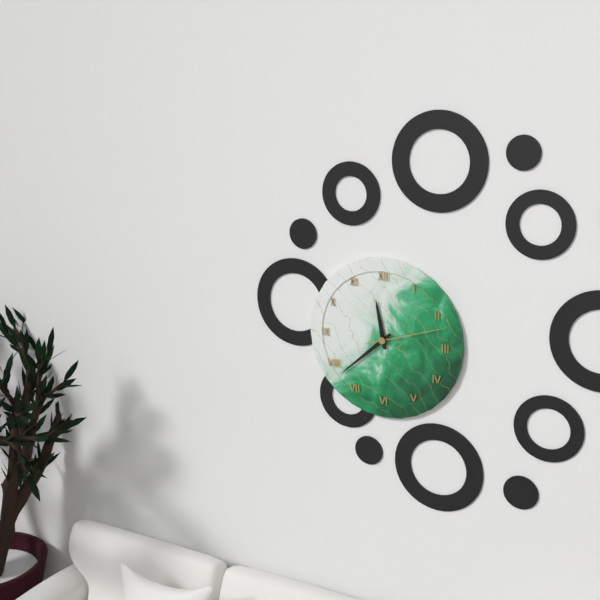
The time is {"hour": 11, "minute": 38, "second": 12}
